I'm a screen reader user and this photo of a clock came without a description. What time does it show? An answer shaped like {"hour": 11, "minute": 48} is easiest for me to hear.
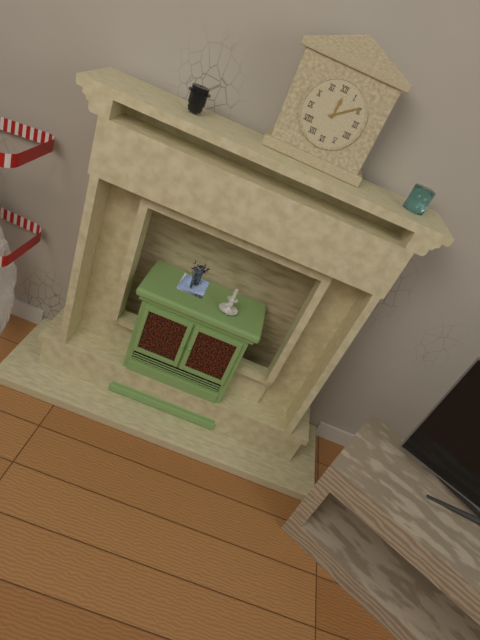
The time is {"hour": 12, "minute": 9}
